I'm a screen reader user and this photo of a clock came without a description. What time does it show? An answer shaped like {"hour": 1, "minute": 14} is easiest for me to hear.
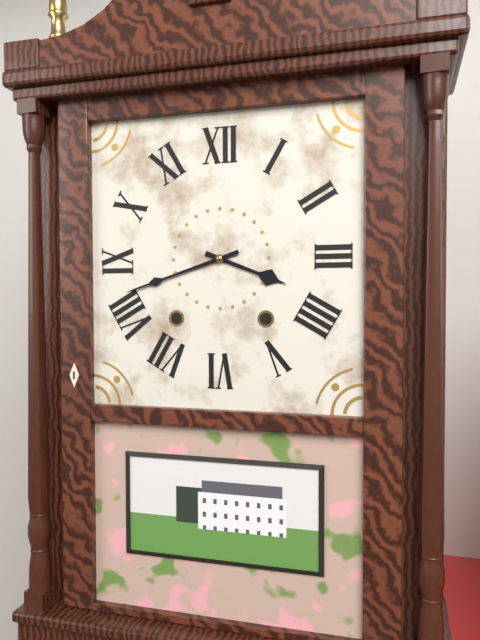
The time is {"hour": 3, "minute": 42}
